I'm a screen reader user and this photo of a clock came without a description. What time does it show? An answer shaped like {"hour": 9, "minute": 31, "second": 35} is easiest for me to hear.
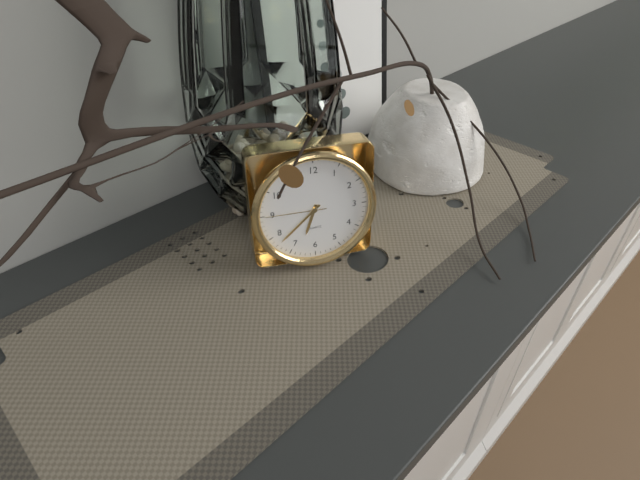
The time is {"hour": 6, "minute": 38, "second": 45}
